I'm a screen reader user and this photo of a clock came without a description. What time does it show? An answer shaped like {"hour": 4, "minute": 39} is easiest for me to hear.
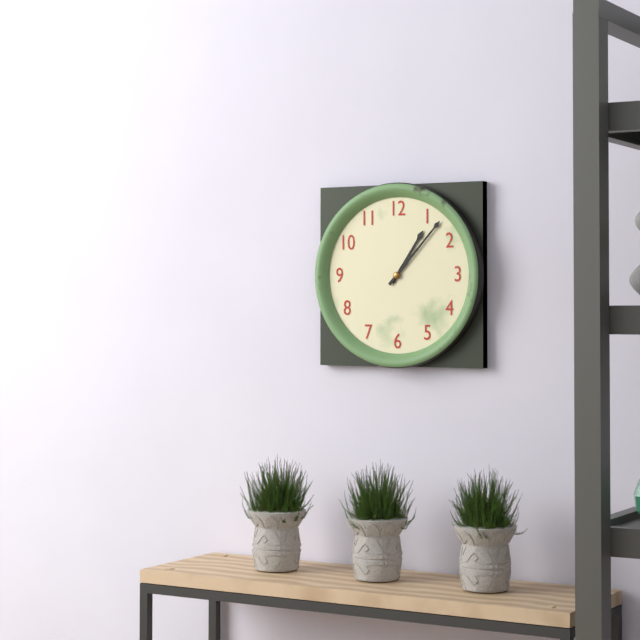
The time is {"hour": 1, "minute": 7}
